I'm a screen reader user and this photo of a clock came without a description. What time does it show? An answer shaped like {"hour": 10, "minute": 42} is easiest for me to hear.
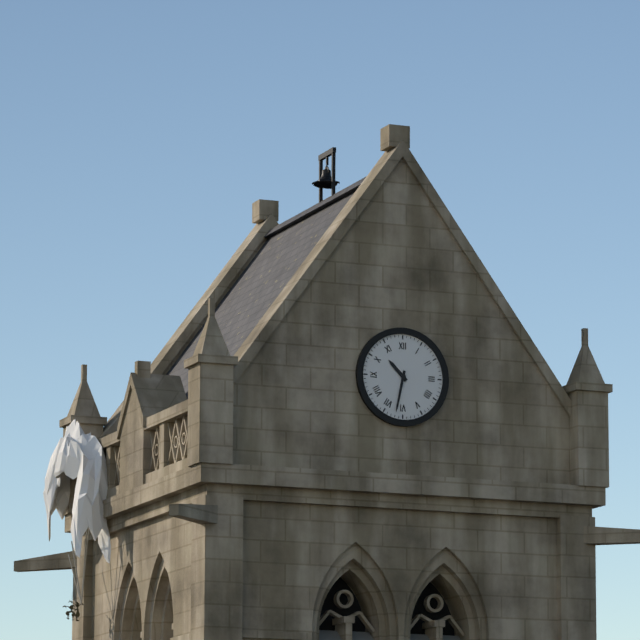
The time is {"hour": 10, "minute": 32}
